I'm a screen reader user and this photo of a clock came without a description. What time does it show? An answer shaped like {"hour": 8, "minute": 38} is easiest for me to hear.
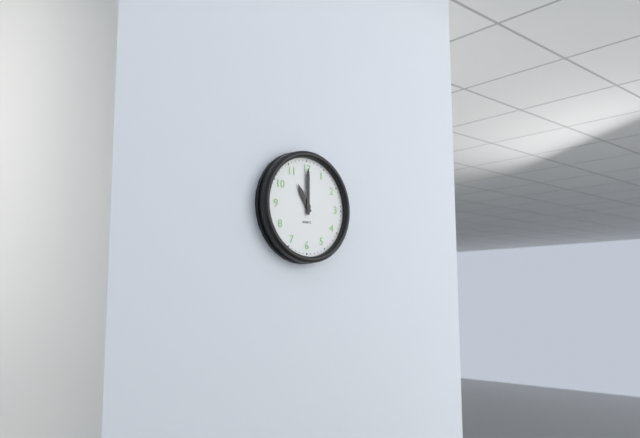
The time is {"hour": 11, "minute": 0}
